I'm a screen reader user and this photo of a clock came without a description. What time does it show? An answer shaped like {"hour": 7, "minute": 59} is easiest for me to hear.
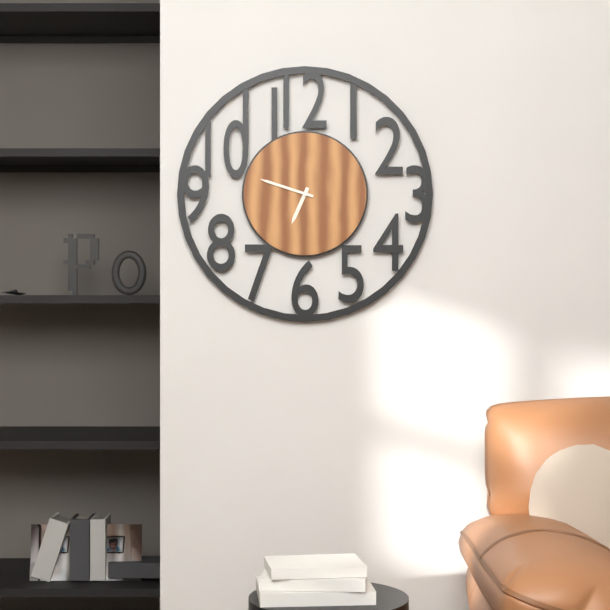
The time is {"hour": 6, "minute": 48}
